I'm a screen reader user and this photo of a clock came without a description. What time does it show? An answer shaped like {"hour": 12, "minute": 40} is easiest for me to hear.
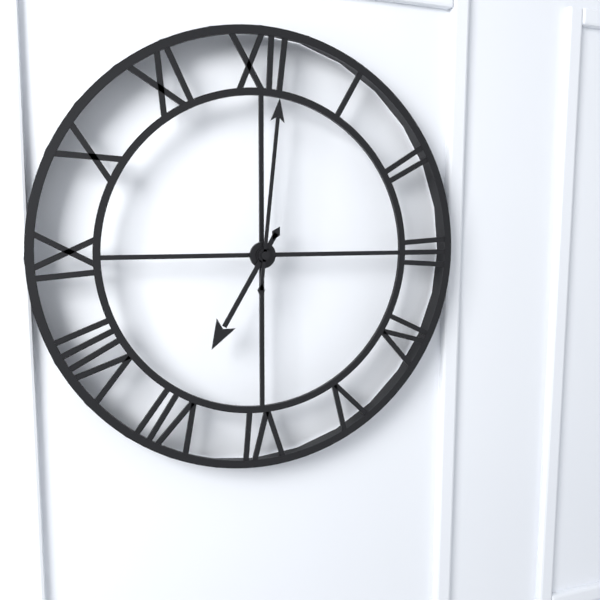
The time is {"hour": 7, "minute": 1}
